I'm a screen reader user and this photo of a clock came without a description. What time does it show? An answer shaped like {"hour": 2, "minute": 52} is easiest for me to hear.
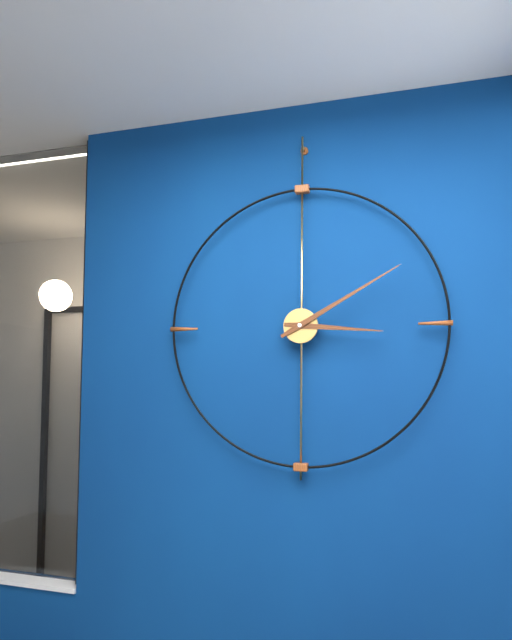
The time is {"hour": 3, "minute": 10}
